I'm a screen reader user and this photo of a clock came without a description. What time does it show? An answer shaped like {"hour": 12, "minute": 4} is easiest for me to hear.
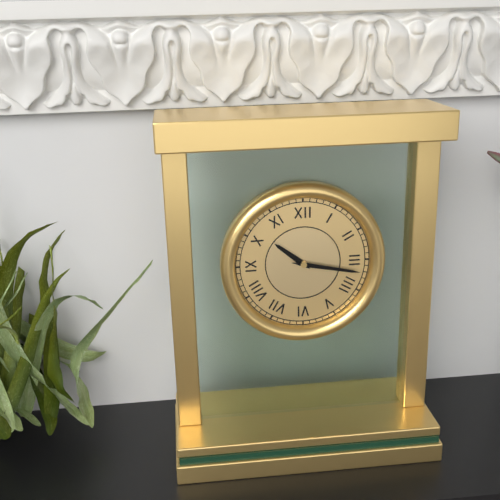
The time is {"hour": 10, "minute": 17}
